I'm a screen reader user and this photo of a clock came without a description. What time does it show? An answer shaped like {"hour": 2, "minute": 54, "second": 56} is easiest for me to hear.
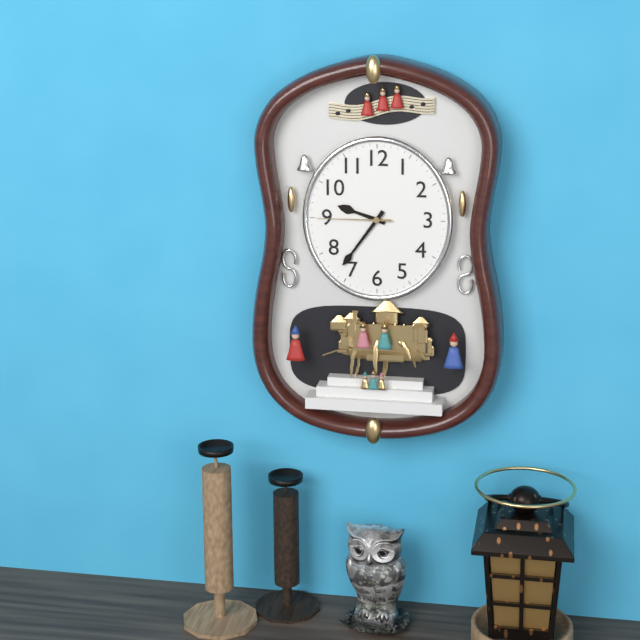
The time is {"hour": 9, "minute": 36, "second": 45}
